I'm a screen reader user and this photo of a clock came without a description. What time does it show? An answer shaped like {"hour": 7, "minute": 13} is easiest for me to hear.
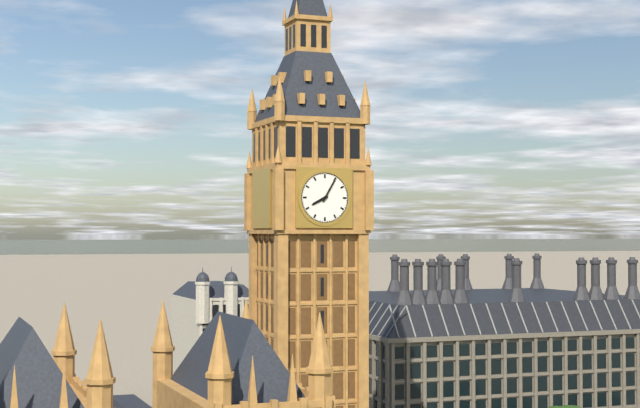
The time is {"hour": 8, "minute": 5}
